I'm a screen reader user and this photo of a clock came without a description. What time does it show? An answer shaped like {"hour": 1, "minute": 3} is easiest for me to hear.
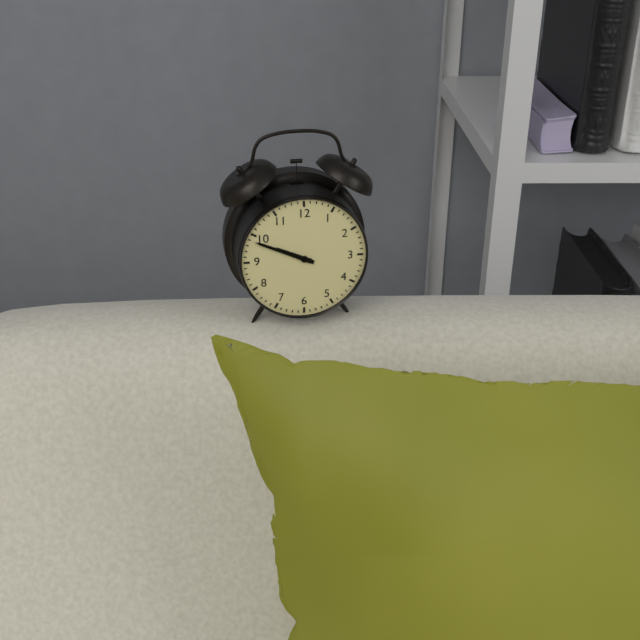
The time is {"hour": 9, "minute": 49}
